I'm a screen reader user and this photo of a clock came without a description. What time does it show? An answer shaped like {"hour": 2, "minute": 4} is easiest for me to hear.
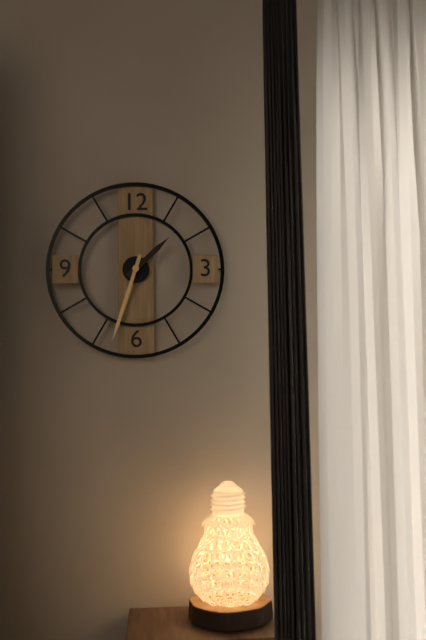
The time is {"hour": 1, "minute": 33}
